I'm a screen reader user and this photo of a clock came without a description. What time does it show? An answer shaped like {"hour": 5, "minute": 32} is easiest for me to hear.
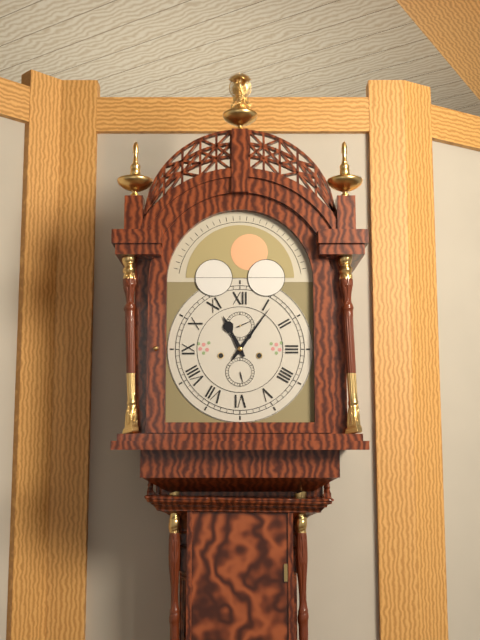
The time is {"hour": 11, "minute": 6}
